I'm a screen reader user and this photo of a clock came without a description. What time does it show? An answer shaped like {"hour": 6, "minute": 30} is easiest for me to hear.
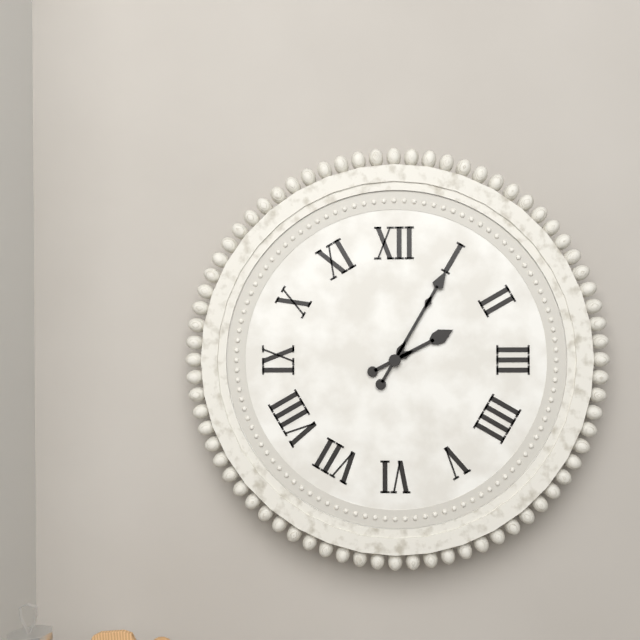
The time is {"hour": 2, "minute": 5}
